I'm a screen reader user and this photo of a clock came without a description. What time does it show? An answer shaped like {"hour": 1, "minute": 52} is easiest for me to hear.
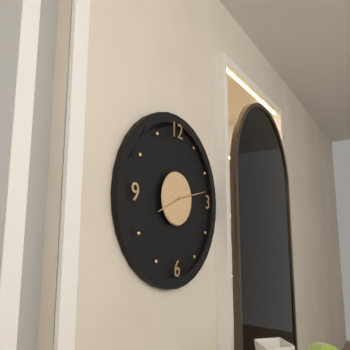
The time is {"hour": 8, "minute": 13}
